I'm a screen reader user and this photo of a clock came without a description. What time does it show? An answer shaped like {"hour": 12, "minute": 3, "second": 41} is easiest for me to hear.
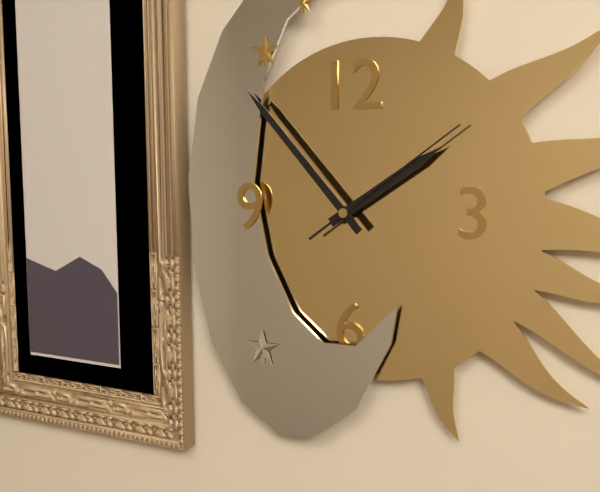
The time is {"hour": 1, "minute": 53, "second": 9}
